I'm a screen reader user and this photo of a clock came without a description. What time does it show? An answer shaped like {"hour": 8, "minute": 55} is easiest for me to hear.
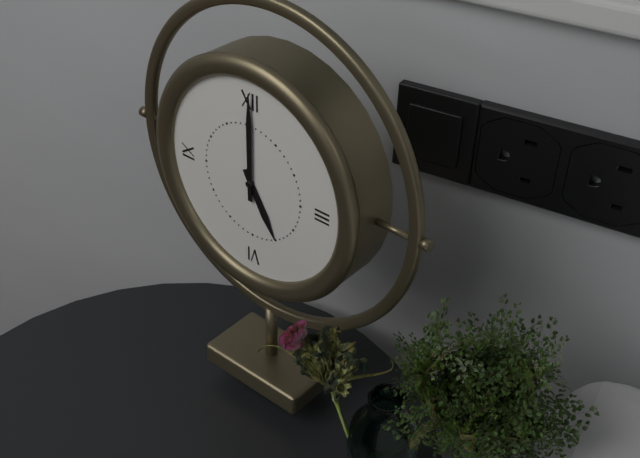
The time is {"hour": 5, "minute": 0}
